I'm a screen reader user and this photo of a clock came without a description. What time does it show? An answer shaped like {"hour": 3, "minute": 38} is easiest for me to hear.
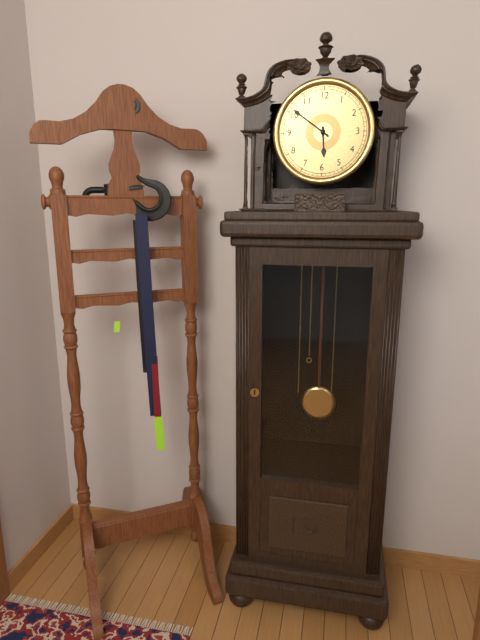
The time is {"hour": 5, "minute": 51}
